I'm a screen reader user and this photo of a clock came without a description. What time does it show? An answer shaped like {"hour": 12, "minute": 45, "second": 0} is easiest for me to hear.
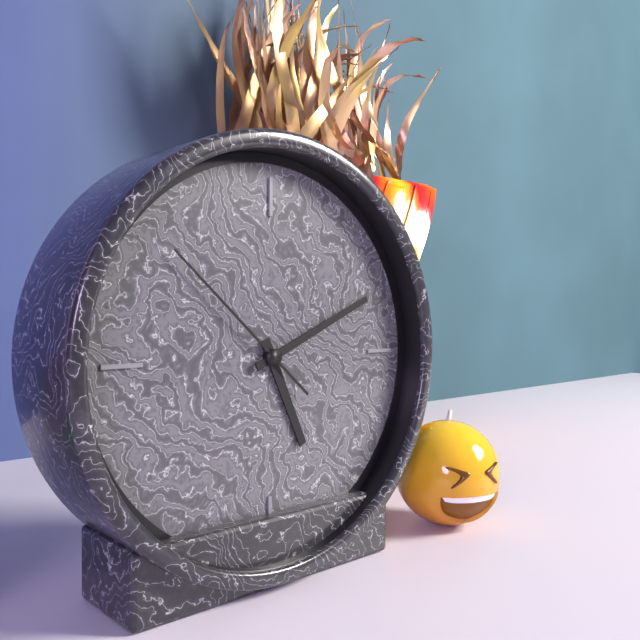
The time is {"hour": 5, "minute": 11, "second": 52}
